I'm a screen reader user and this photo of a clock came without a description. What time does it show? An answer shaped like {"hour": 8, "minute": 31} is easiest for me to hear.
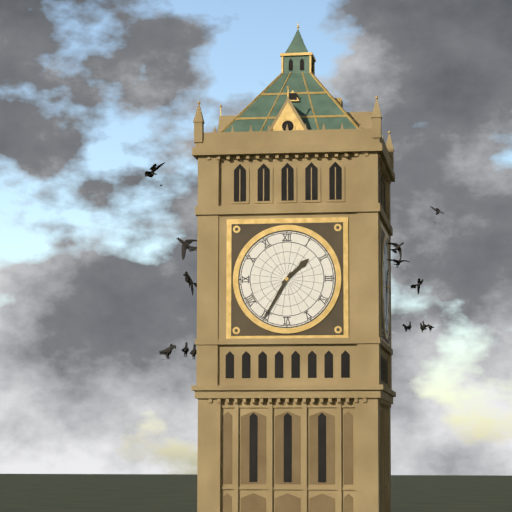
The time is {"hour": 1, "minute": 35}
